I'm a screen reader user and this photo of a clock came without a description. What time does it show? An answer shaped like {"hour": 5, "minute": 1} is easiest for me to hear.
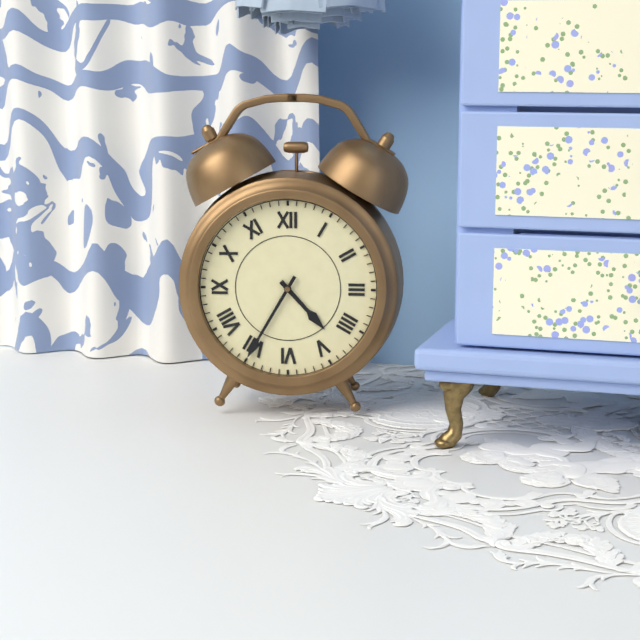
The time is {"hour": 4, "minute": 35}
